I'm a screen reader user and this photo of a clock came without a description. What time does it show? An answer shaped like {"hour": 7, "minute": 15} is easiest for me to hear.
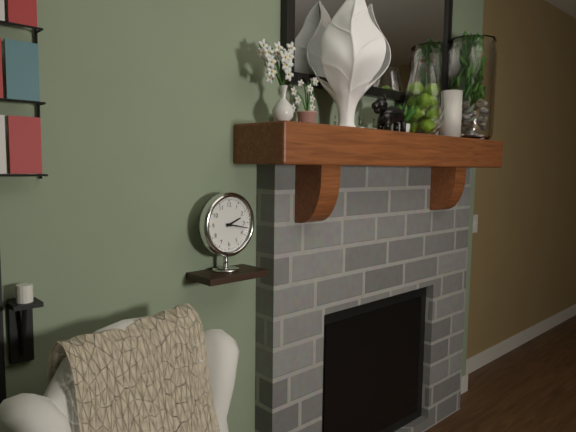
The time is {"hour": 2, "minute": 17}
